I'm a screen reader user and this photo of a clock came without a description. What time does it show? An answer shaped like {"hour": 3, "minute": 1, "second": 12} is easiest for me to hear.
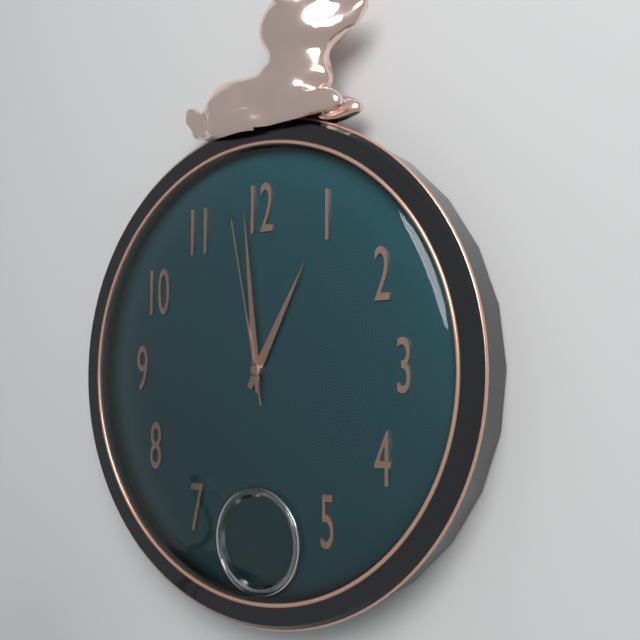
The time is {"hour": 12, "minute": 59, "second": 58}
